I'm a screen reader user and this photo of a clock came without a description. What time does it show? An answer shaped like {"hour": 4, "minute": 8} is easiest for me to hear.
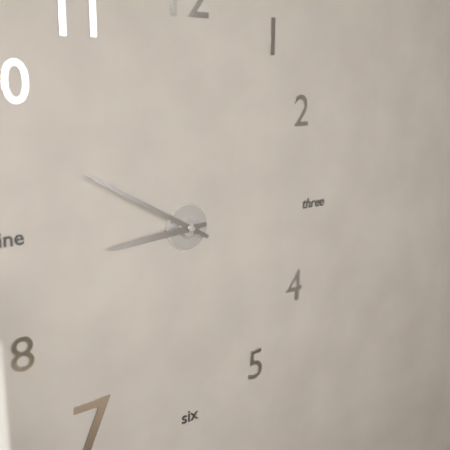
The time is {"hour": 8, "minute": 50}
